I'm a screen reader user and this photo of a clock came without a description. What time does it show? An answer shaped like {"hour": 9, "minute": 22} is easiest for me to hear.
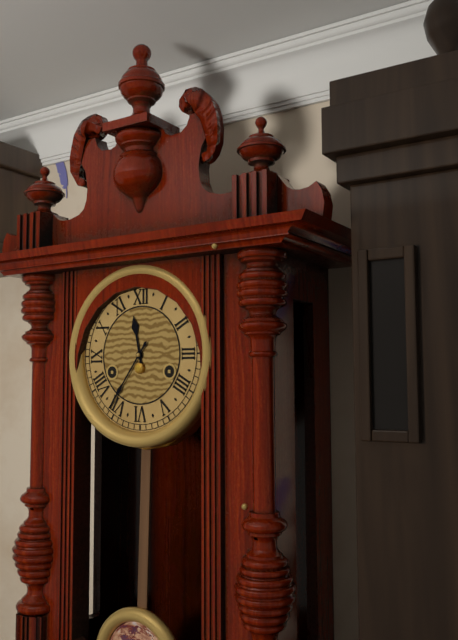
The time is {"hour": 11, "minute": 36}
